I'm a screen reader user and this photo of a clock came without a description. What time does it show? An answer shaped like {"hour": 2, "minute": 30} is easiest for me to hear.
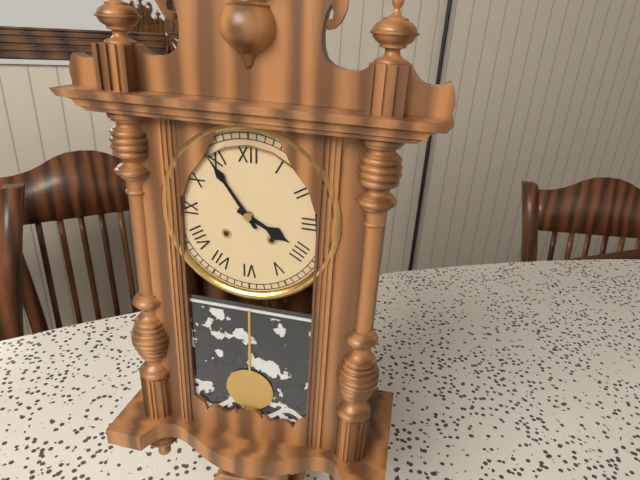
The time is {"hour": 3, "minute": 54}
